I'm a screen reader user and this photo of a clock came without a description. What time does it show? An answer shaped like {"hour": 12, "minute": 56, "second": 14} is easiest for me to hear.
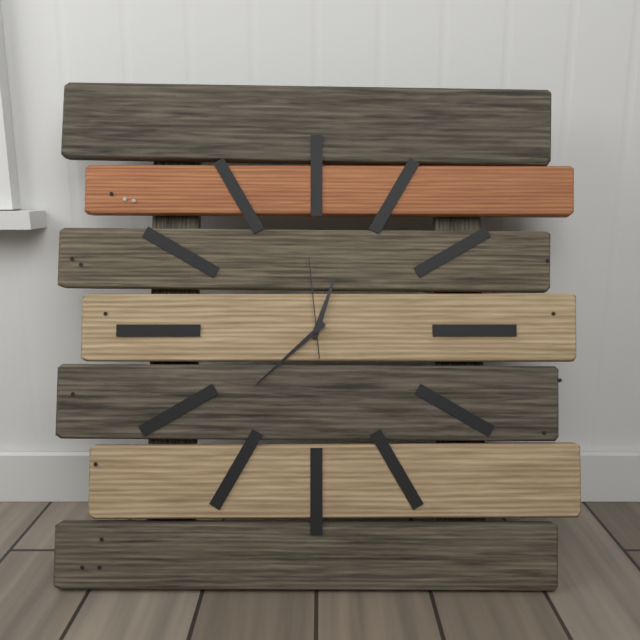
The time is {"hour": 12, "minute": 38, "second": 59}
